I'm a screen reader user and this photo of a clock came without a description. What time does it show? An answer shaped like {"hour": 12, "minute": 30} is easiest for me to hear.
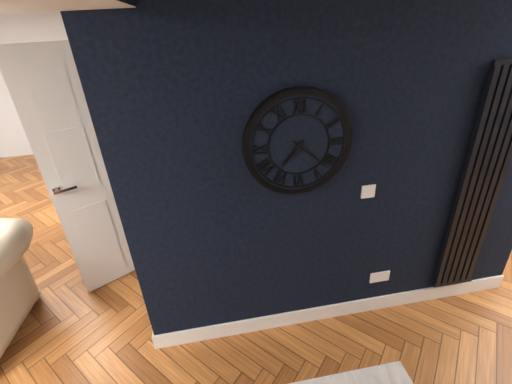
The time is {"hour": 7, "minute": 22}
